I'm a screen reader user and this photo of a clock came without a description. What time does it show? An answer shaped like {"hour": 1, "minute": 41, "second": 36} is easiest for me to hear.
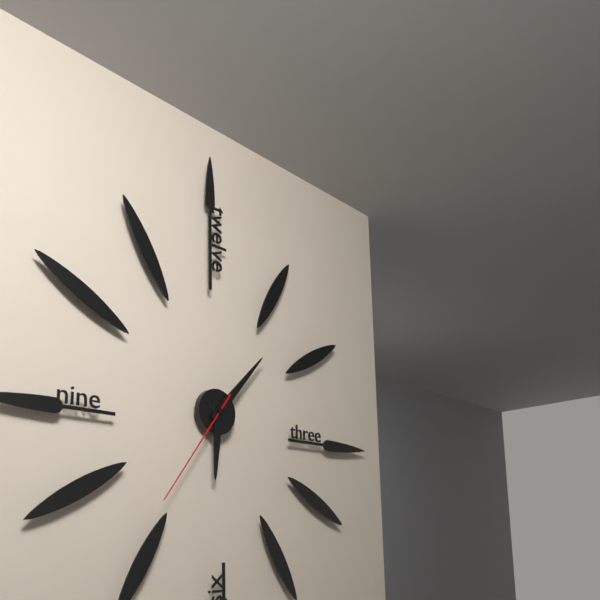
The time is {"hour": 6, "minute": 7, "second": 36}
